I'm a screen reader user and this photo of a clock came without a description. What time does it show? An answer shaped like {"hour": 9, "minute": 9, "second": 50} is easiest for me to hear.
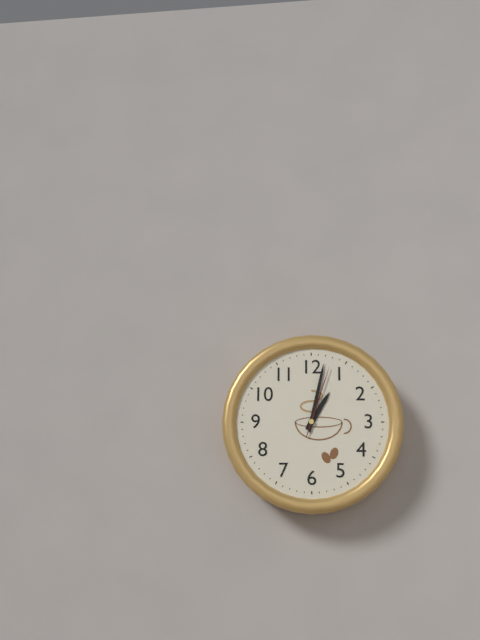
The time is {"hour": 1, "minute": 2, "second": 3}
